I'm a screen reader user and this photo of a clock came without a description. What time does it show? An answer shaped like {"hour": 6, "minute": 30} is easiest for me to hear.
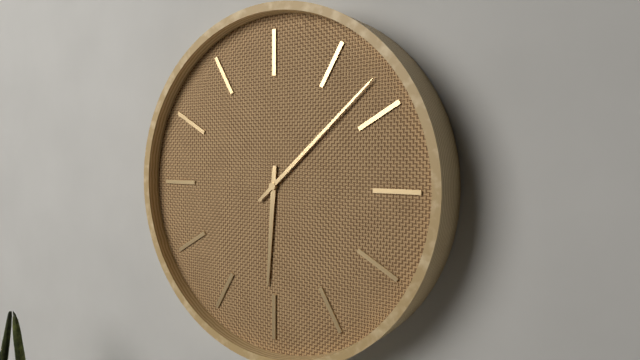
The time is {"hour": 6, "minute": 8}
